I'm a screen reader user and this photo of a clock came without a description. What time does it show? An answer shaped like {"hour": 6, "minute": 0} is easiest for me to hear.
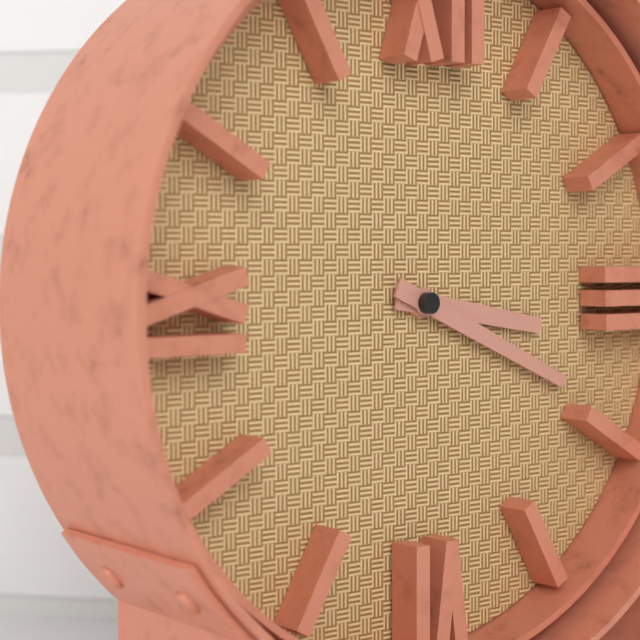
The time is {"hour": 3, "minute": 19}
